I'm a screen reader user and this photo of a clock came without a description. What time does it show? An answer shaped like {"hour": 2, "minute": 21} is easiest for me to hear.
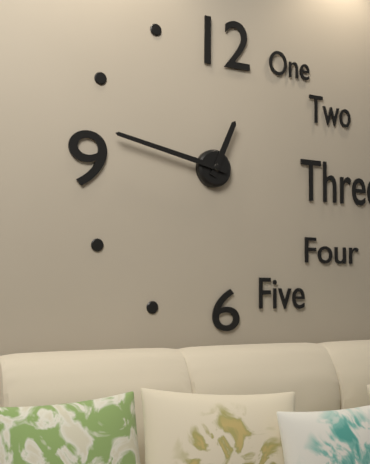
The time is {"hour": 12, "minute": 47}
